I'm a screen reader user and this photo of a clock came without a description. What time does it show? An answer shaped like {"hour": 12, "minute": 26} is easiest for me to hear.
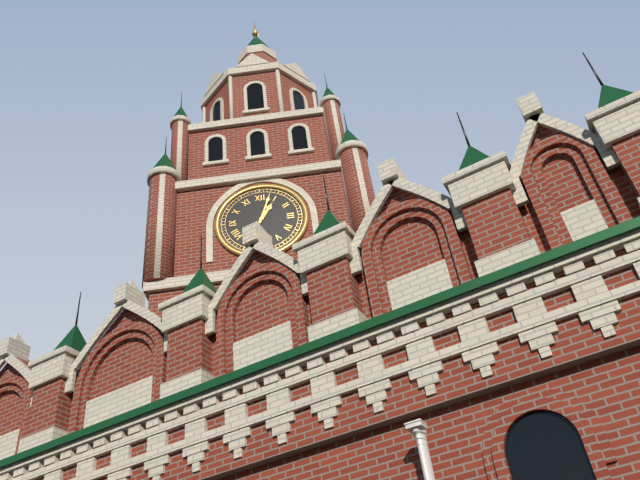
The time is {"hour": 1, "minute": 3}
